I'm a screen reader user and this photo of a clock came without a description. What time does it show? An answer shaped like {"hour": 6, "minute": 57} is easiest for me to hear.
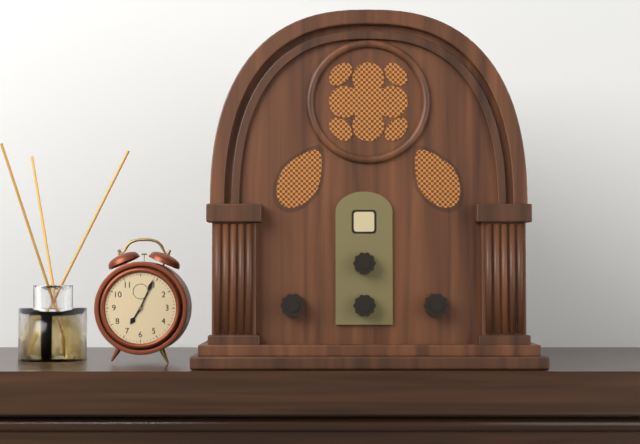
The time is {"hour": 7, "minute": 4}
